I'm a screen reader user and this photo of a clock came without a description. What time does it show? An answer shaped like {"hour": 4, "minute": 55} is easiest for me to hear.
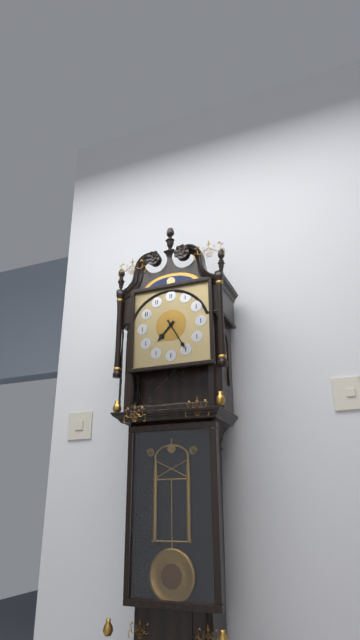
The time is {"hour": 7, "minute": 25}
